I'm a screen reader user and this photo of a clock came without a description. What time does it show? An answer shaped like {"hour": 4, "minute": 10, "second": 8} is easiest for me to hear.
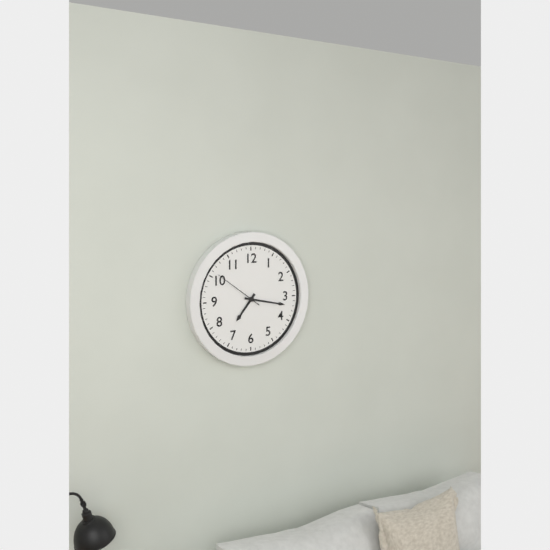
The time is {"hour": 7, "minute": 17, "second": 51}
